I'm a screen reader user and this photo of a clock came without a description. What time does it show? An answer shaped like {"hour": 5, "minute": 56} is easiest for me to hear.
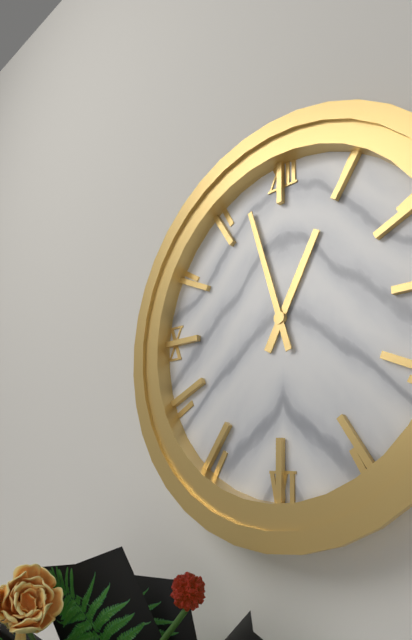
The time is {"hour": 12, "minute": 57}
